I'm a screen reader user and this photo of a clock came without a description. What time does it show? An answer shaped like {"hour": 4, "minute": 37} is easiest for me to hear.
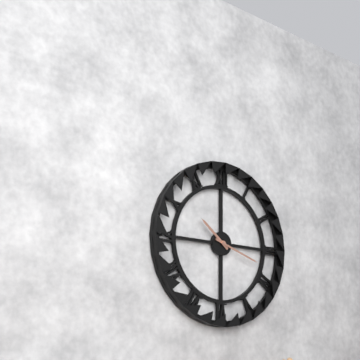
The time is {"hour": 10, "minute": 18}
